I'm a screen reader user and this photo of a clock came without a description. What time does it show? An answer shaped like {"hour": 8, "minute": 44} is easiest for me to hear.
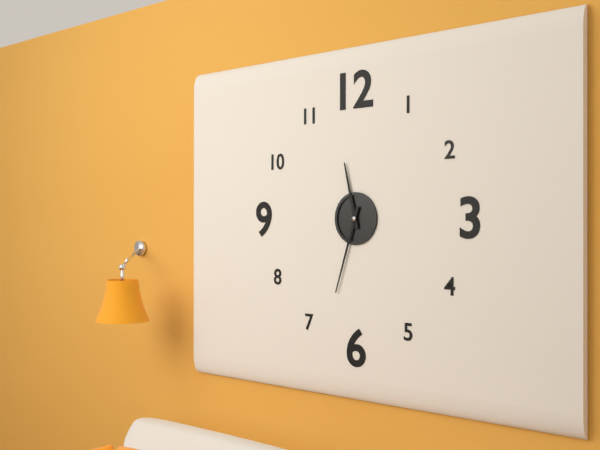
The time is {"hour": 11, "minute": 33}
